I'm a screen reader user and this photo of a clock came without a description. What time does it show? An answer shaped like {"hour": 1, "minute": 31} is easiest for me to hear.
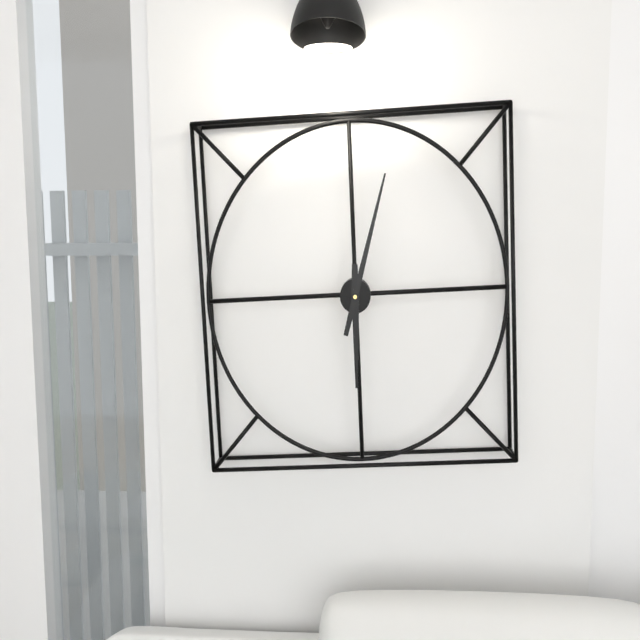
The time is {"hour": 6, "minute": 3}
